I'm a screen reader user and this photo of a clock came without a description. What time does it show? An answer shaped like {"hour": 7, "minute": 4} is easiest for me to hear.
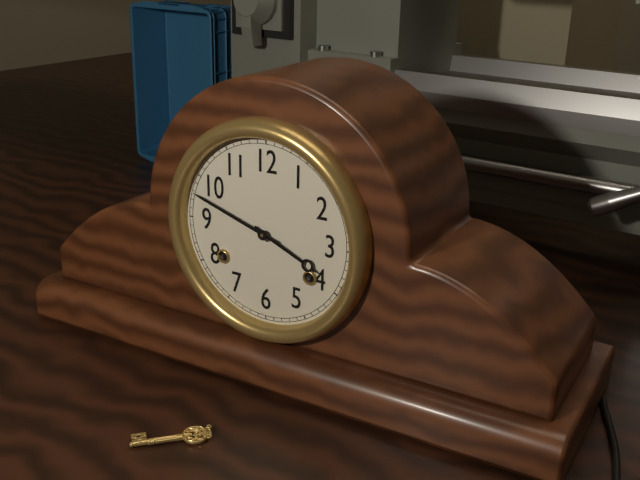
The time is {"hour": 3, "minute": 48}
